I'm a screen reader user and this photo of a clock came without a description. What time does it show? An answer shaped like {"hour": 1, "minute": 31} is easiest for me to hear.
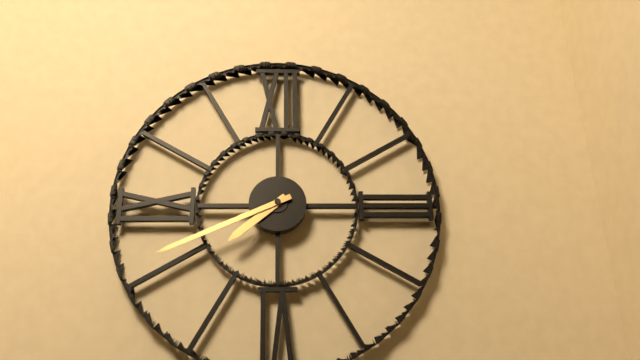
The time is {"hour": 7, "minute": 41}
